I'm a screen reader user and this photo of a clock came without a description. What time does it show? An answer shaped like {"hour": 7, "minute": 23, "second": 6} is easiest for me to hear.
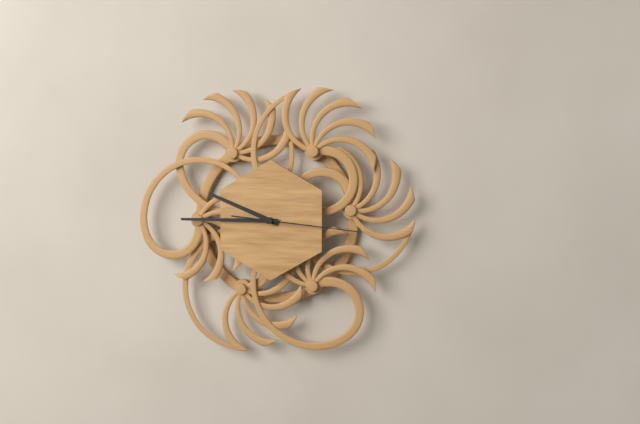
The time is {"hour": 9, "minute": 45, "second": 16}
